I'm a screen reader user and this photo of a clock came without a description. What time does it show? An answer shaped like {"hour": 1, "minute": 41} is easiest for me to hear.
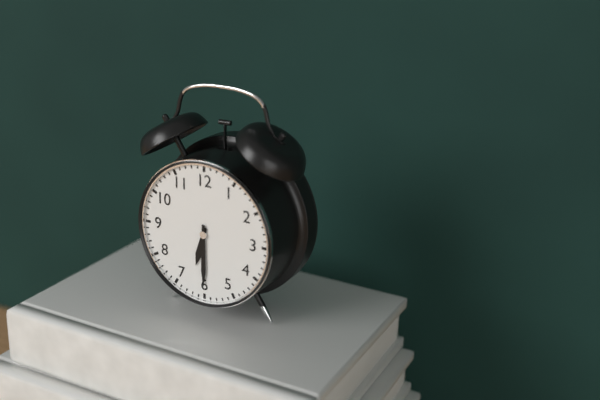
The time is {"hour": 6, "minute": 30}
